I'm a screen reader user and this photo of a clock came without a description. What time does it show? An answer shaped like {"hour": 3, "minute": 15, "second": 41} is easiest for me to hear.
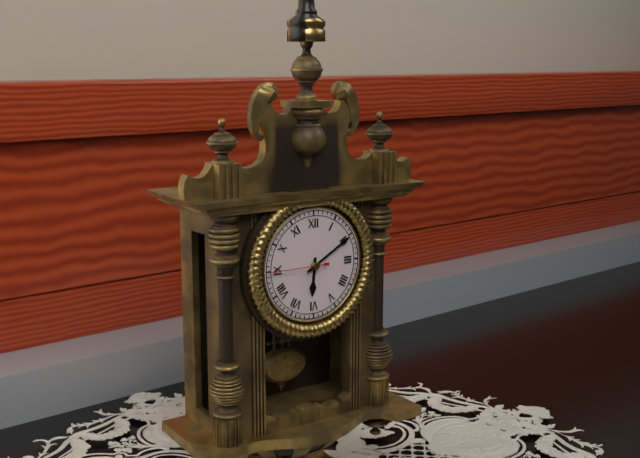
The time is {"hour": 6, "minute": 10, "second": 45}
